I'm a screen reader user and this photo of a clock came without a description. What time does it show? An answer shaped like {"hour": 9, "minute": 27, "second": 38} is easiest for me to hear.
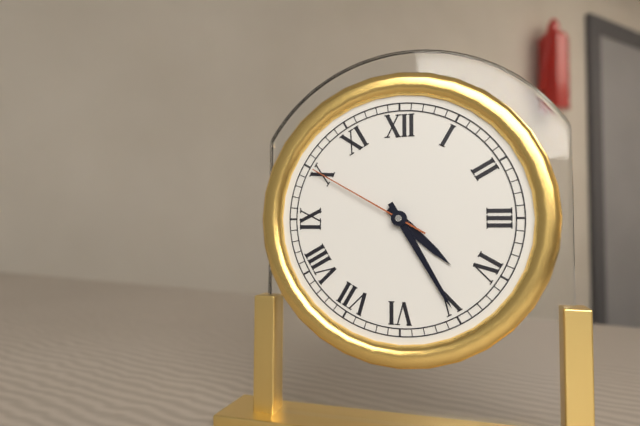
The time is {"hour": 4, "minute": 25, "second": 50}
